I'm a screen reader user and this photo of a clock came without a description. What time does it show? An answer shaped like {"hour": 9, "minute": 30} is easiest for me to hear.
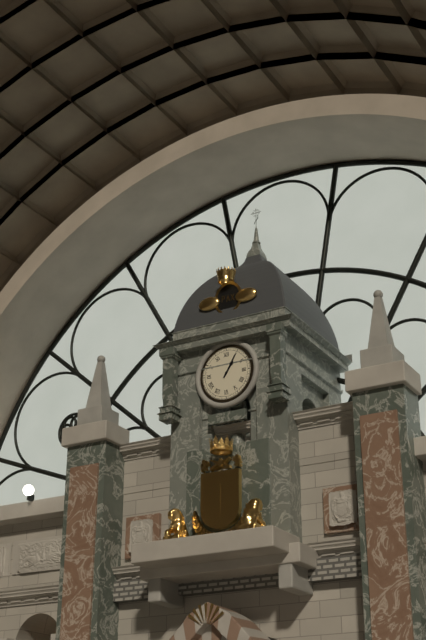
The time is {"hour": 1, "minute": 5}
